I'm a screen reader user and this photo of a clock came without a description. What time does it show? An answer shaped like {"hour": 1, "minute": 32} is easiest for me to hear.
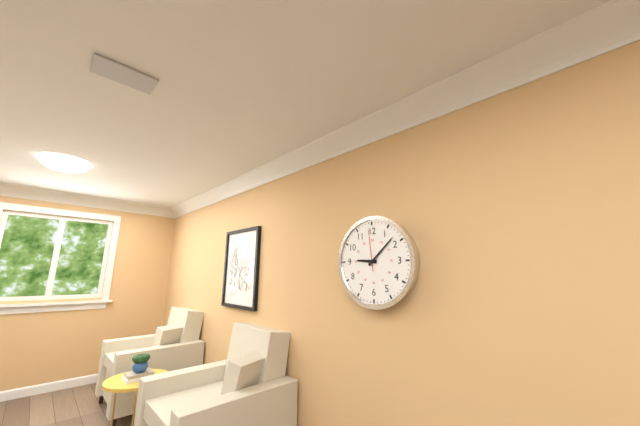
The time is {"hour": 9, "minute": 8}
